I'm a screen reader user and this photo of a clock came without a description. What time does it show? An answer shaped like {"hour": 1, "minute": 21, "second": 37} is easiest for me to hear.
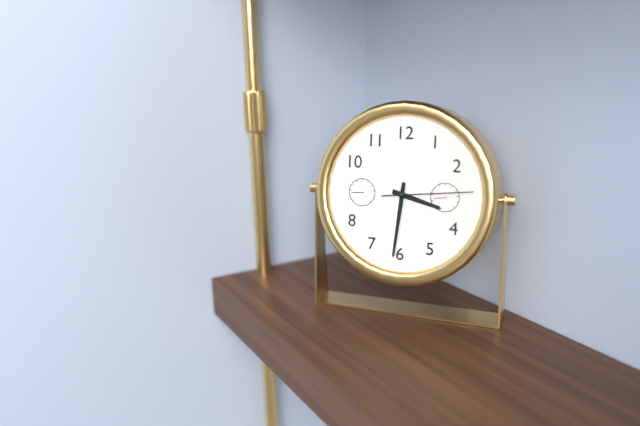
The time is {"hour": 3, "minute": 31, "second": 14}
